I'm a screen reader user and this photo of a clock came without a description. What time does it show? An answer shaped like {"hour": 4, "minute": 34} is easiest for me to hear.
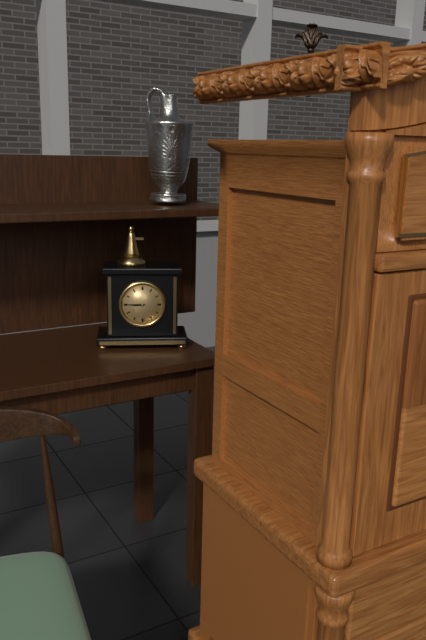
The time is {"hour": 8, "minute": 45}
